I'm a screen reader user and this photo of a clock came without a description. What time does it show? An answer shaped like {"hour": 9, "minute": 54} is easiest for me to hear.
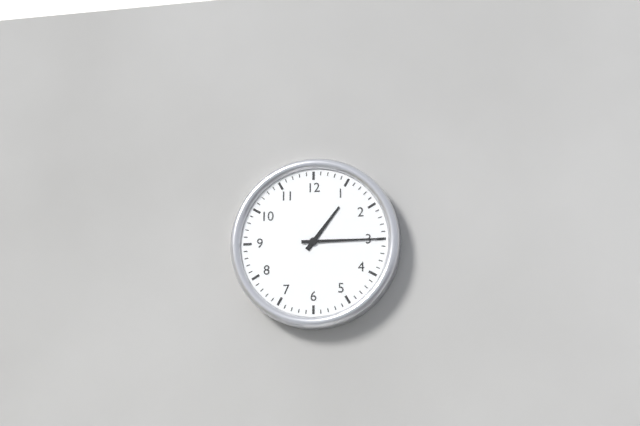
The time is {"hour": 1, "minute": 15}
